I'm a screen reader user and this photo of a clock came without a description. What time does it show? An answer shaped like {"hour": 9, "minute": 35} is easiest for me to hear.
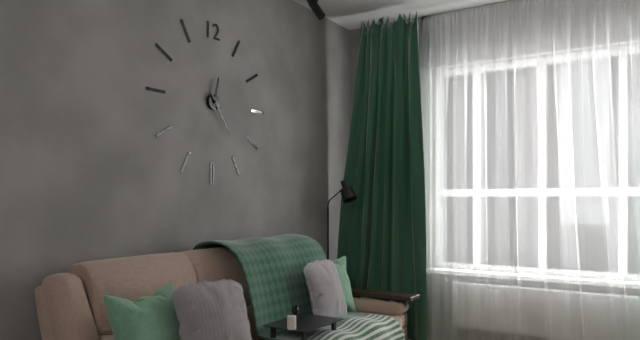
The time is {"hour": 12, "minute": 24}
